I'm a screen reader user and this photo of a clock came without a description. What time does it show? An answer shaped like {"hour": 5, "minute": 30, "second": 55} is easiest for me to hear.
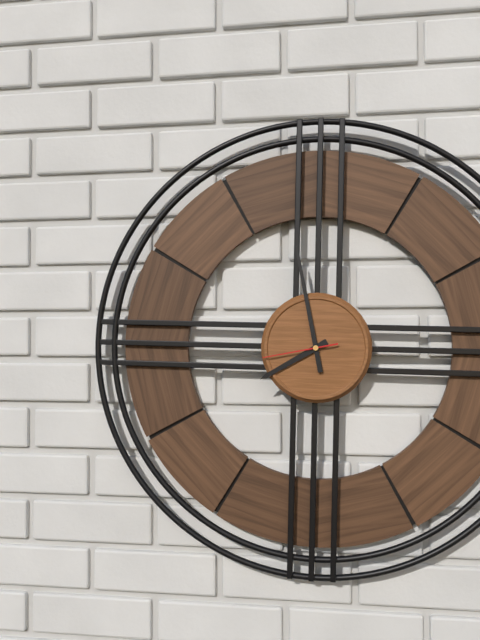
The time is {"hour": 7, "minute": 58, "second": 43}
